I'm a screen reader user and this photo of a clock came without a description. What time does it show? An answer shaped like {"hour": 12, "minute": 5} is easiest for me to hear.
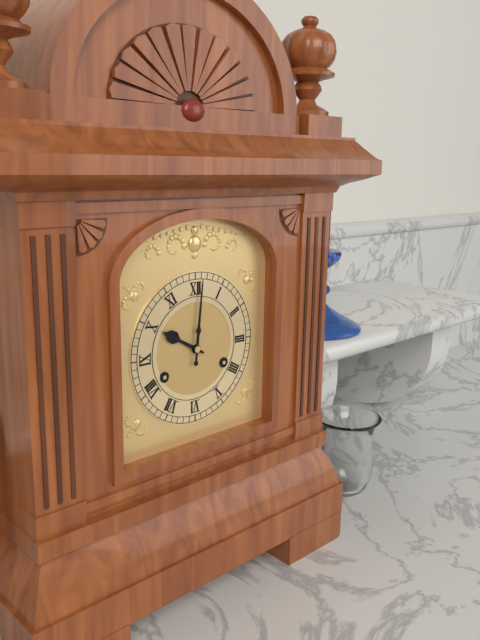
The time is {"hour": 10, "minute": 1}
